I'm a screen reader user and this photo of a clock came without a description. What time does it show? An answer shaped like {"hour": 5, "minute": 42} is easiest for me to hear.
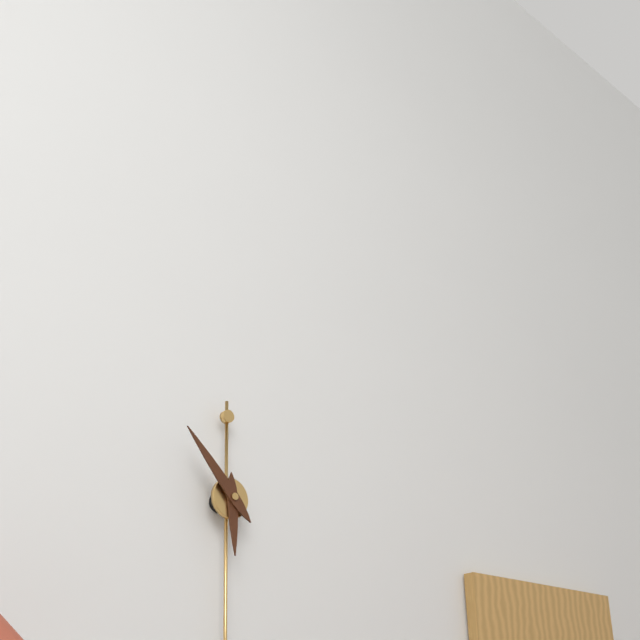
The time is {"hour": 5, "minute": 53}
